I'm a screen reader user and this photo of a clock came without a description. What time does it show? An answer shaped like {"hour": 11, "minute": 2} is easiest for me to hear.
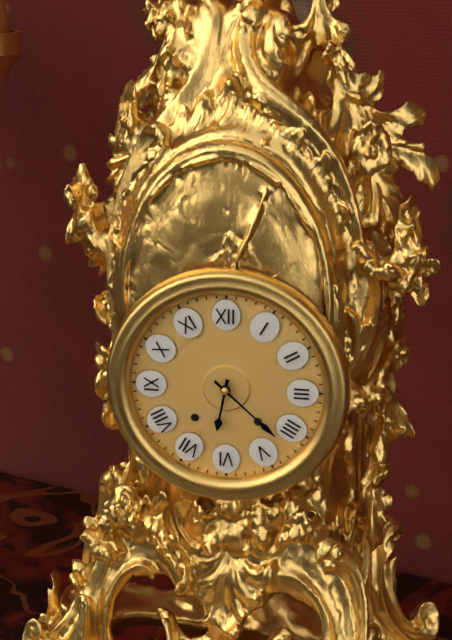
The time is {"hour": 6, "minute": 22}
